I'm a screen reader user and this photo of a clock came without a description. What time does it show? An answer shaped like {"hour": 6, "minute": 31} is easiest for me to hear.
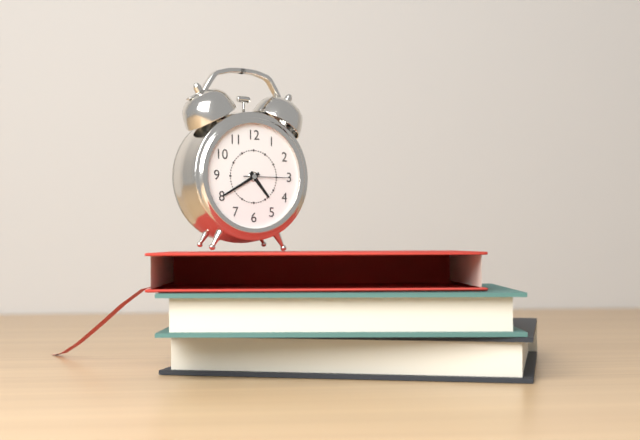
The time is {"hour": 4, "minute": 40}
